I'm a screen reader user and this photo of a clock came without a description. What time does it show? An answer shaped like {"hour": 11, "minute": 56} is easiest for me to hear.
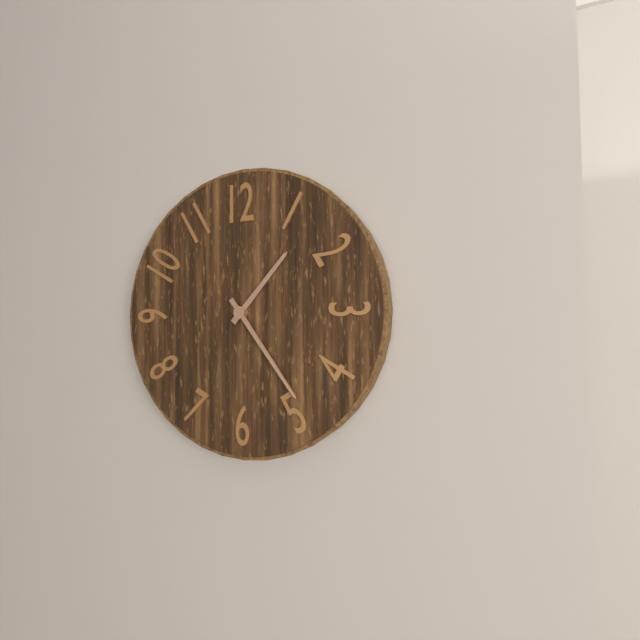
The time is {"hour": 1, "minute": 24}
